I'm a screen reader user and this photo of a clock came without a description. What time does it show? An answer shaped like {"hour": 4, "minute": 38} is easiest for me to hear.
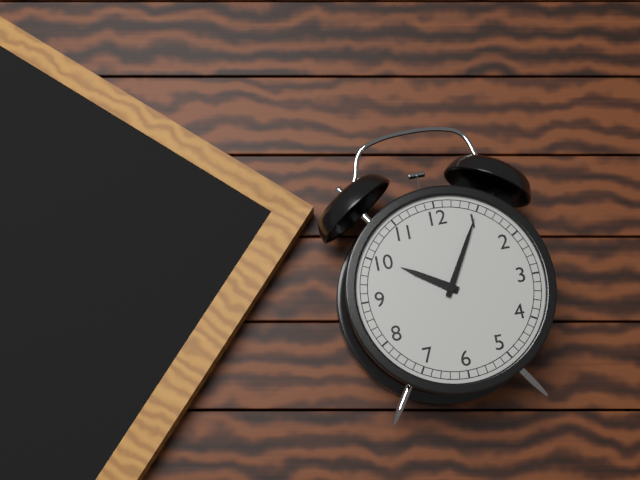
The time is {"hour": 10, "minute": 5}
